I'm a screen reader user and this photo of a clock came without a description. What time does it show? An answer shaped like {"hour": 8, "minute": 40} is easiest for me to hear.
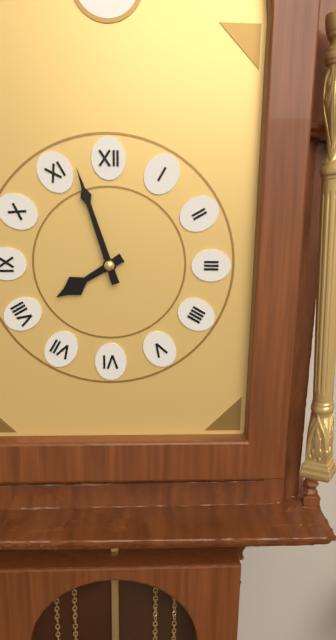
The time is {"hour": 7, "minute": 57}
